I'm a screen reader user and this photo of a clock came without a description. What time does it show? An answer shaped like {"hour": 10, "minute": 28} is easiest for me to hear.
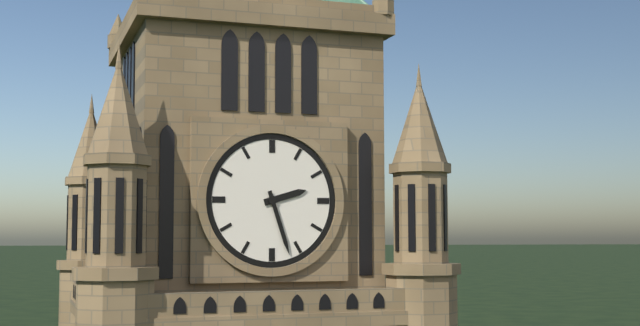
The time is {"hour": 2, "minute": 27}
